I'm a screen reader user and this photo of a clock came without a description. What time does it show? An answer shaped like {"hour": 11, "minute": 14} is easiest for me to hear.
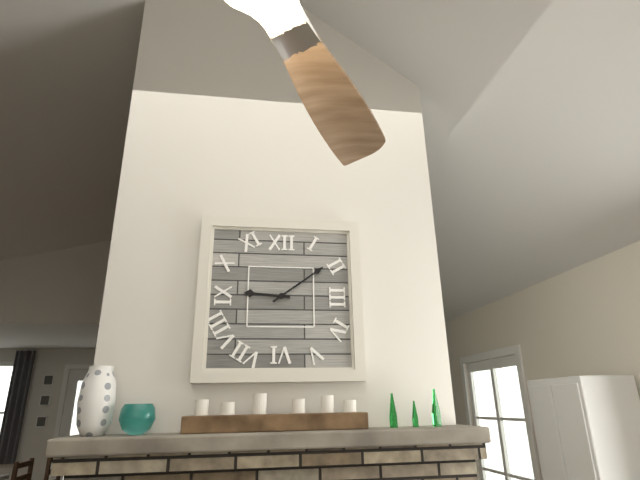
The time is {"hour": 9, "minute": 9}
